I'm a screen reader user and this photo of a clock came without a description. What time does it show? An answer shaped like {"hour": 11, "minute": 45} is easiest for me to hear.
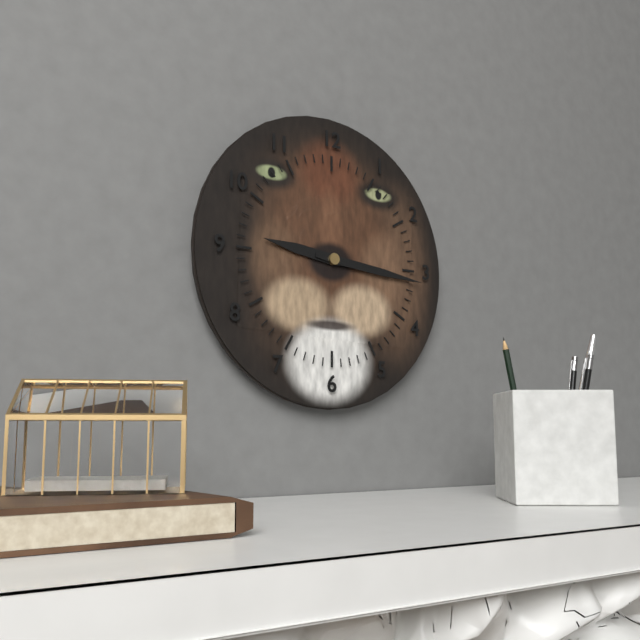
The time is {"hour": 9, "minute": 16}
